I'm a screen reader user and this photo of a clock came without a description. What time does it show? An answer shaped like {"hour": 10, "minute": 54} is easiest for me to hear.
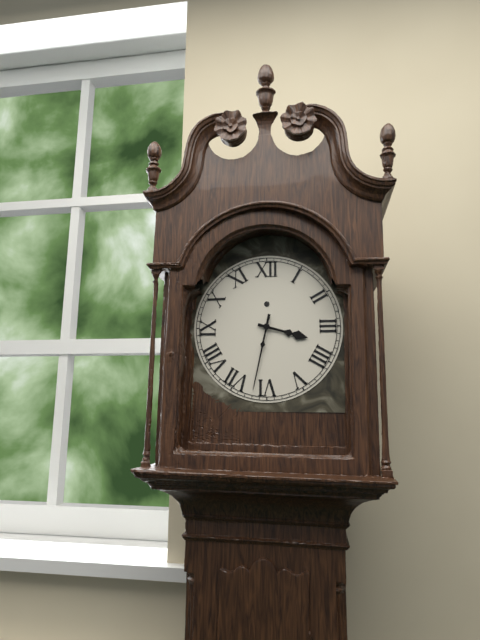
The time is {"hour": 3, "minute": 32}
